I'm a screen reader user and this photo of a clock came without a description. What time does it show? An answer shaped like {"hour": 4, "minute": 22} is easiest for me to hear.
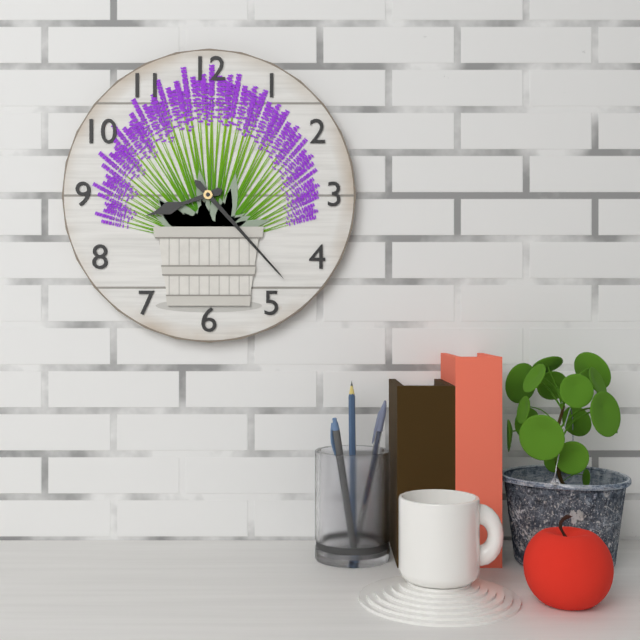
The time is {"hour": 8, "minute": 23}
